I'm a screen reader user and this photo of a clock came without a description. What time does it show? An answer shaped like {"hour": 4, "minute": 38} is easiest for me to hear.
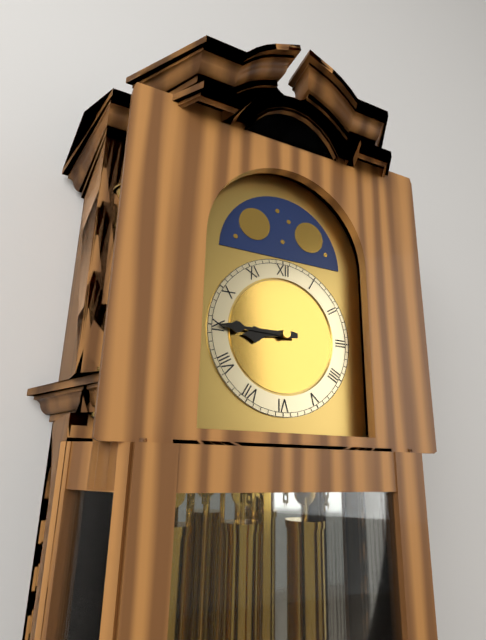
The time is {"hour": 8, "minute": 45}
